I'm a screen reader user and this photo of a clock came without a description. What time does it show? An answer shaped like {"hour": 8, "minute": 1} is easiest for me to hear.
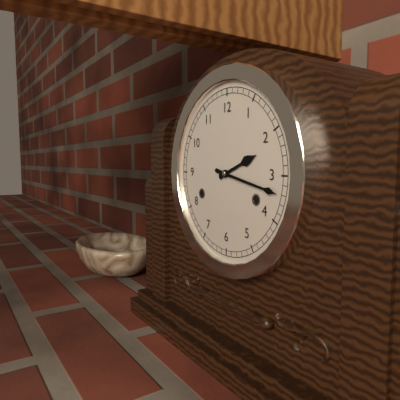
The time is {"hour": 2, "minute": 17}
